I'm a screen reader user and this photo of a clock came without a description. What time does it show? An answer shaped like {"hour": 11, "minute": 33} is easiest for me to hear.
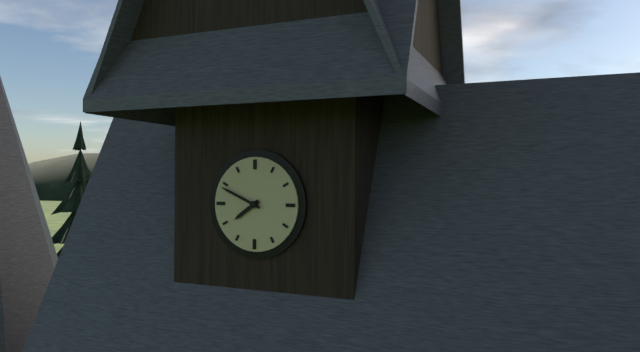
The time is {"hour": 7, "minute": 49}
